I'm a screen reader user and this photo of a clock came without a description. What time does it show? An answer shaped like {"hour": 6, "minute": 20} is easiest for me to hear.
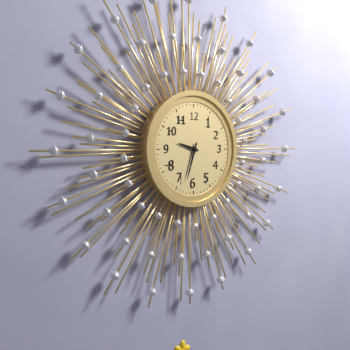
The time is {"hour": 9, "minute": 33}
